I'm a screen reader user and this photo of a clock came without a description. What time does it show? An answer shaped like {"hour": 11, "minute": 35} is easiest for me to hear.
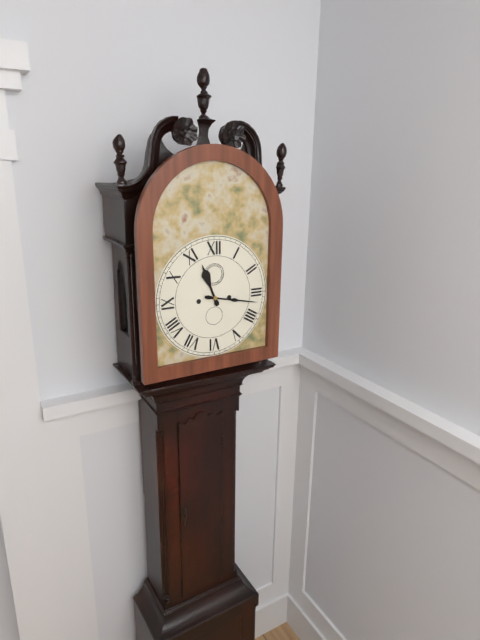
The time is {"hour": 11, "minute": 17}
